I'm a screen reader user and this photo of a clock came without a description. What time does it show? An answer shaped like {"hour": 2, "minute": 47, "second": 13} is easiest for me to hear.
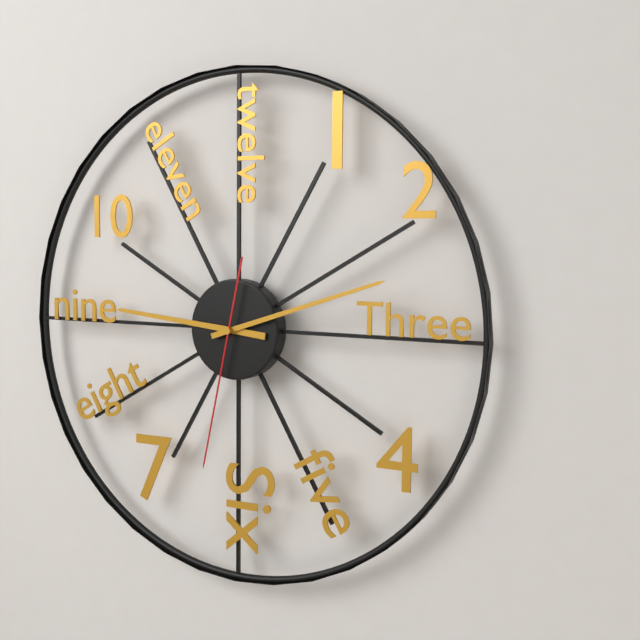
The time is {"hour": 9, "minute": 12, "second": 32}
